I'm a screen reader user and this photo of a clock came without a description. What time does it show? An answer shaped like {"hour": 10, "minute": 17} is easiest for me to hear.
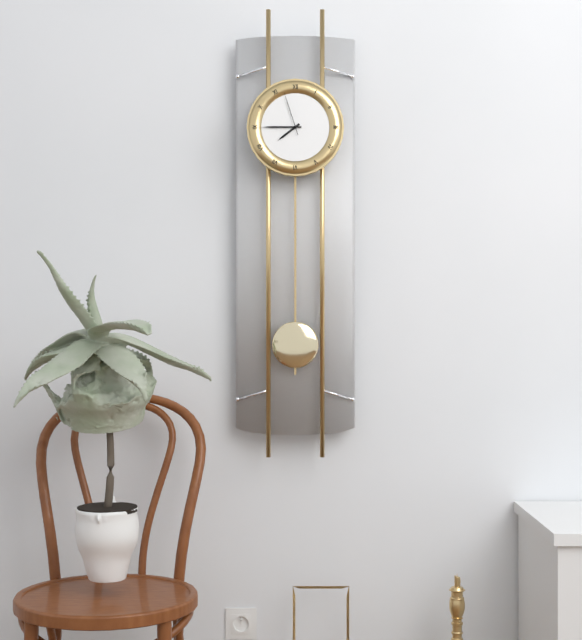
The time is {"hour": 7, "minute": 45}
